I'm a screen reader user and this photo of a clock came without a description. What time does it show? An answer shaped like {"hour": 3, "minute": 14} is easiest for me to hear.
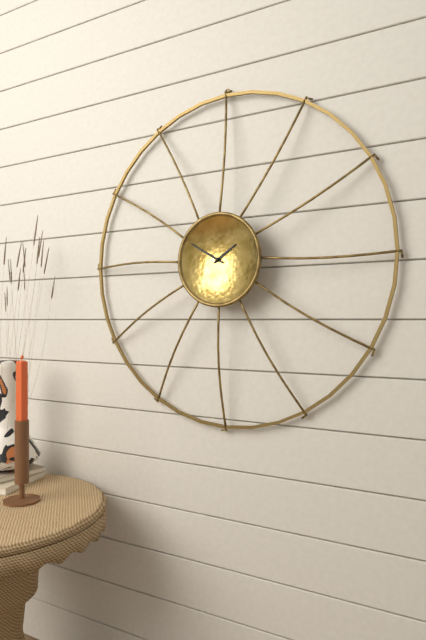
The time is {"hour": 1, "minute": 50}
